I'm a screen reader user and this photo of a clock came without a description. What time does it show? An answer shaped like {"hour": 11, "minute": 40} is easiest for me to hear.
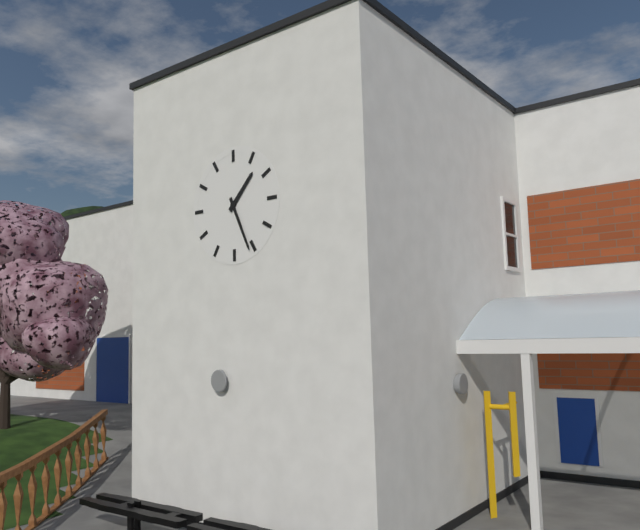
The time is {"hour": 1, "minute": 26}
